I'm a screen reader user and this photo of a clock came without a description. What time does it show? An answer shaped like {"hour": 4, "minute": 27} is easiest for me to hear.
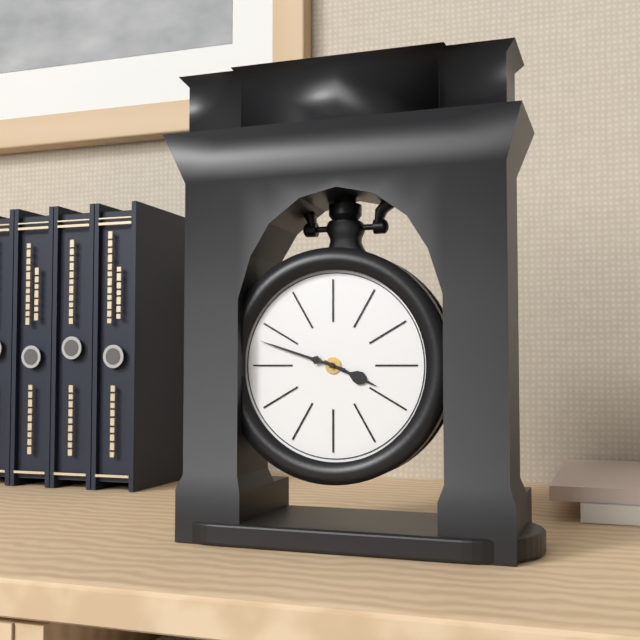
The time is {"hour": 3, "minute": 48}
